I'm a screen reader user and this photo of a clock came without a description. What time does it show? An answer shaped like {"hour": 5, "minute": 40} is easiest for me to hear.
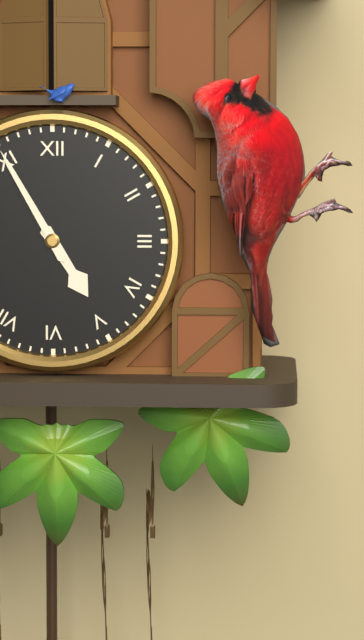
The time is {"hour": 4, "minute": 55}
